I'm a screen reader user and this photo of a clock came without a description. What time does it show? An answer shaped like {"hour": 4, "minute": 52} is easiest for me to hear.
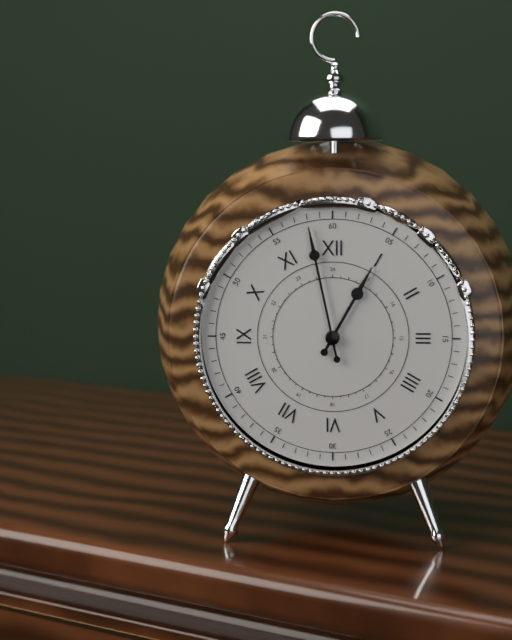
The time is {"hour": 12, "minute": 58}
